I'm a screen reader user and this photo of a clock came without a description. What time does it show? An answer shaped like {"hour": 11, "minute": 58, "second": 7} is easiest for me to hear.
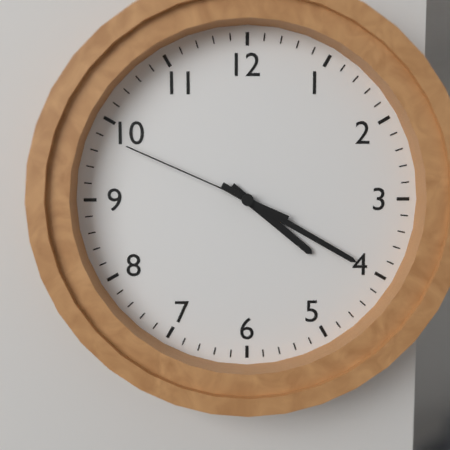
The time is {"hour": 4, "minute": 20, "second": 49}
